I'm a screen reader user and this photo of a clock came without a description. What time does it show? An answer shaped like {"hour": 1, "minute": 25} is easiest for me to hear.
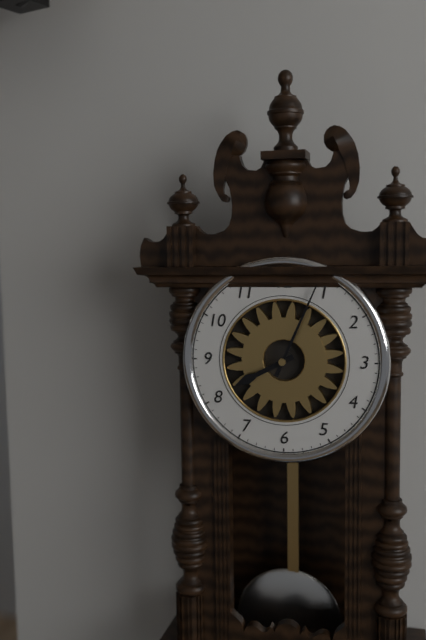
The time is {"hour": 8, "minute": 4}
